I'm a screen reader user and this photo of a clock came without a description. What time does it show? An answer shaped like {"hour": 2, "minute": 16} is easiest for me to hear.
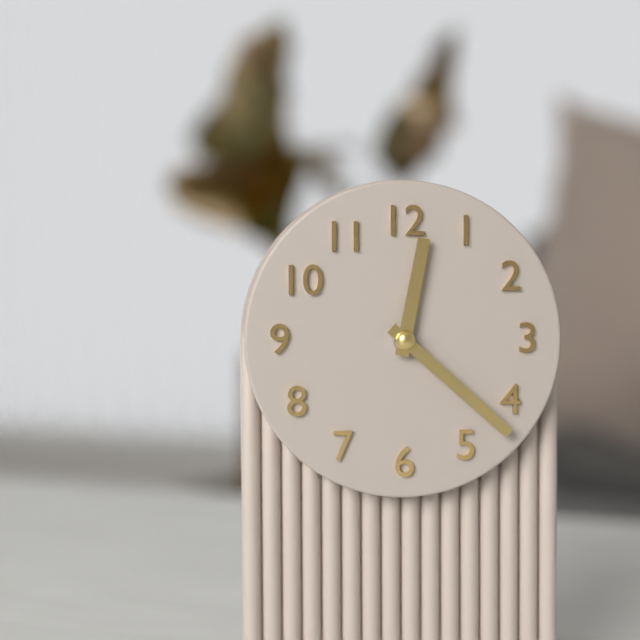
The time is {"hour": 12, "minute": 22}
